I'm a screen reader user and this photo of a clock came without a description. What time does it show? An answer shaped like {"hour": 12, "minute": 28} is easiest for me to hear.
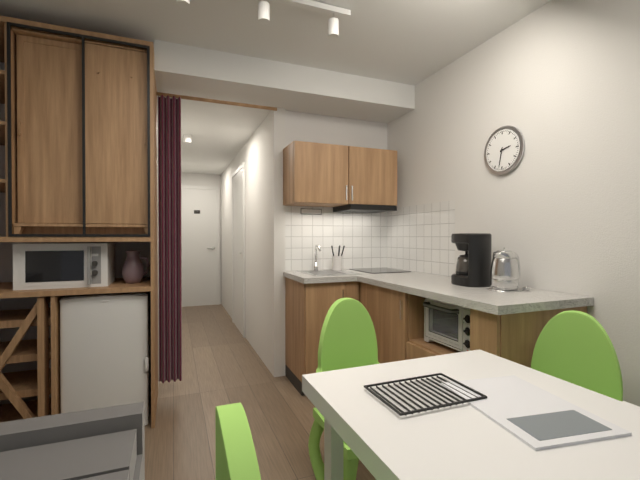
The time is {"hour": 2, "minute": 32}
